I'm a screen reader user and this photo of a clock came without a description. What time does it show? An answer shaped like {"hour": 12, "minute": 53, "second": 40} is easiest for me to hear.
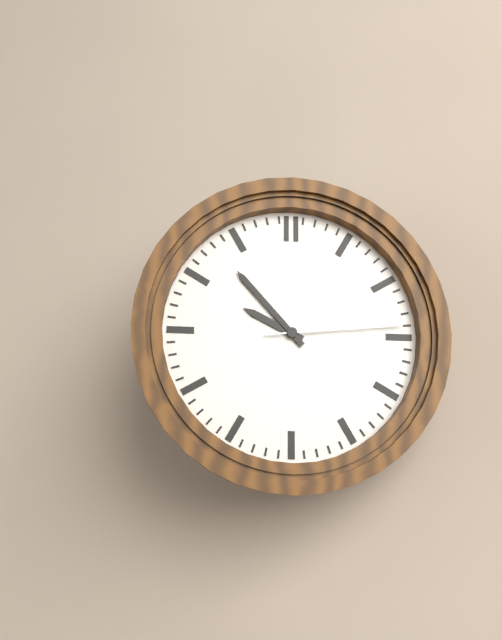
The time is {"hour": 9, "minute": 53, "second": 14}
